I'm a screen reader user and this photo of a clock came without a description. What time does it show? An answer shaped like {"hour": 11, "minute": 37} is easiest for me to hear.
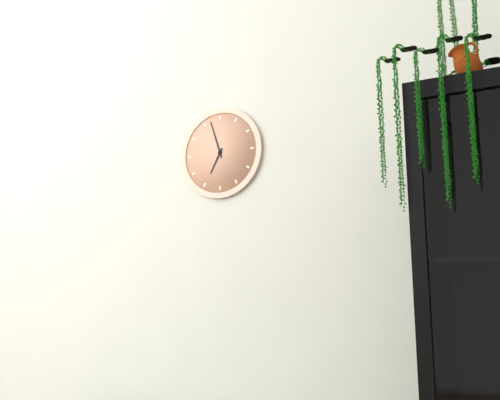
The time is {"hour": 6, "minute": 57}
